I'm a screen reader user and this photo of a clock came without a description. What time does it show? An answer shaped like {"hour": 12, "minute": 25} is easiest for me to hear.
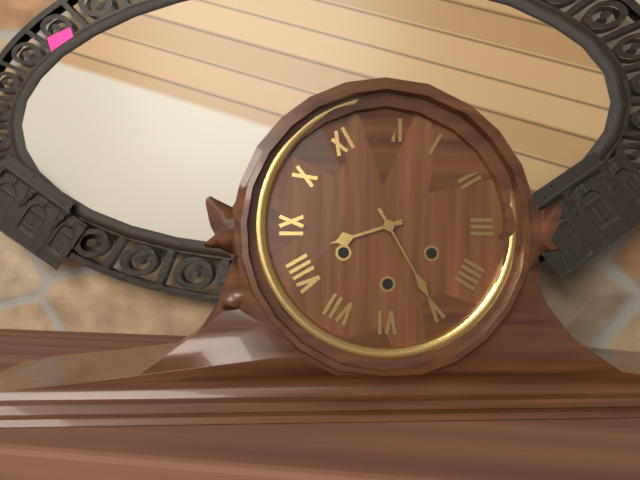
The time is {"hour": 8, "minute": 25}
